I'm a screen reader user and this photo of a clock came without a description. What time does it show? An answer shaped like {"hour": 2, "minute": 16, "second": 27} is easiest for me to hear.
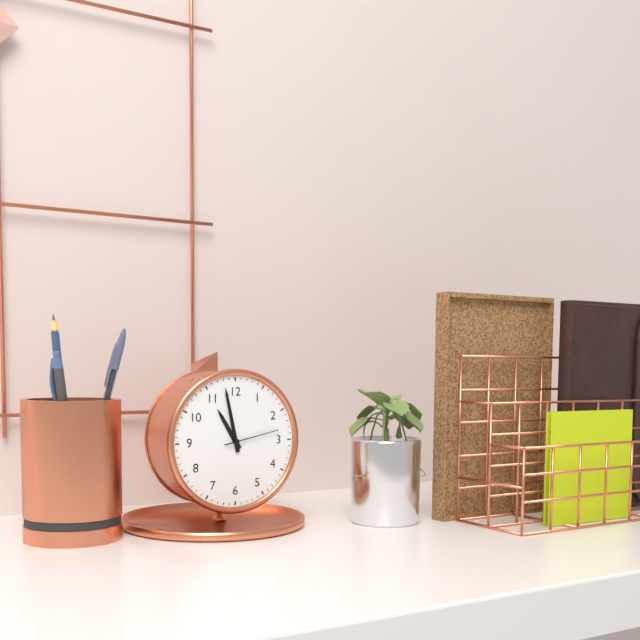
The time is {"hour": 10, "minute": 58, "second": 13}
